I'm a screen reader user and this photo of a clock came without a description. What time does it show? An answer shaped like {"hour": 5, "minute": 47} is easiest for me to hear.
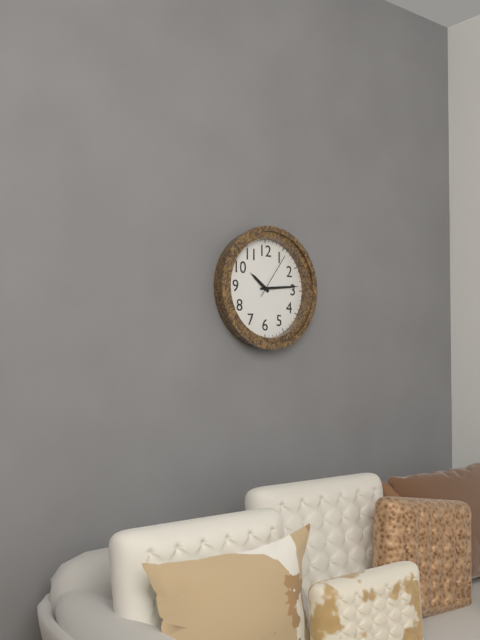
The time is {"hour": 10, "minute": 14}
